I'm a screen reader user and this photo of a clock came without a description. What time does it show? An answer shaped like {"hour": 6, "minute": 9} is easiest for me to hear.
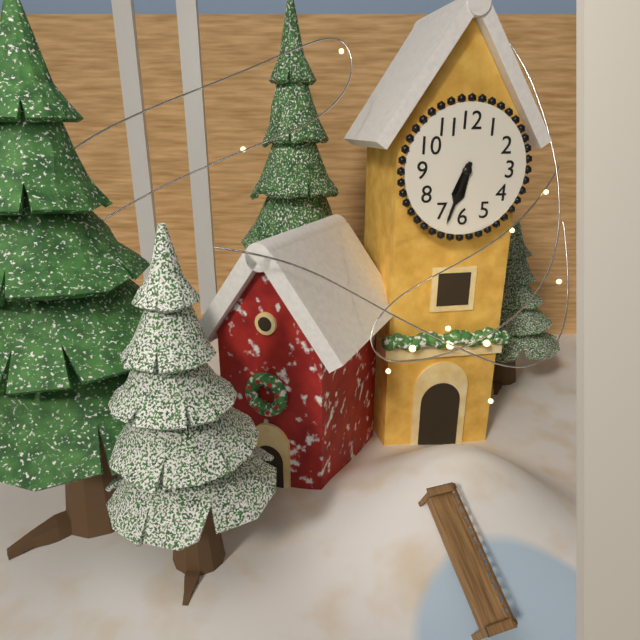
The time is {"hour": 6, "minute": 33}
